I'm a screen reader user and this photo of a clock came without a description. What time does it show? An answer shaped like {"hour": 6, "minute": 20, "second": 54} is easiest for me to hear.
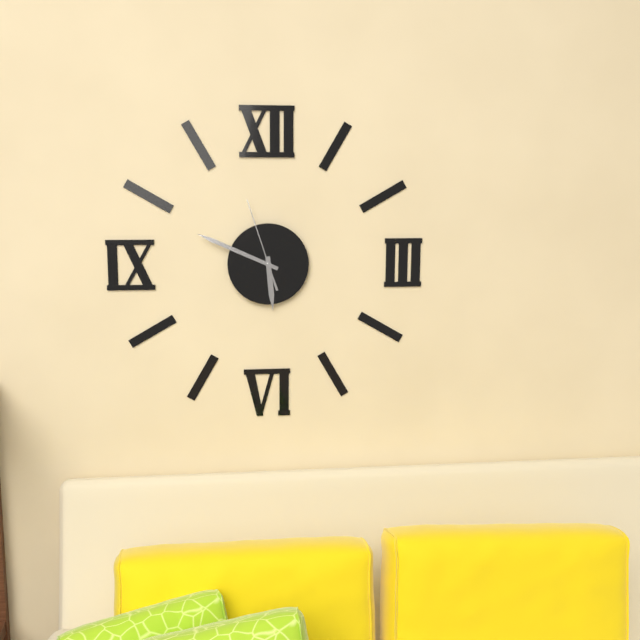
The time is {"hour": 5, "minute": 49, "second": 57}
